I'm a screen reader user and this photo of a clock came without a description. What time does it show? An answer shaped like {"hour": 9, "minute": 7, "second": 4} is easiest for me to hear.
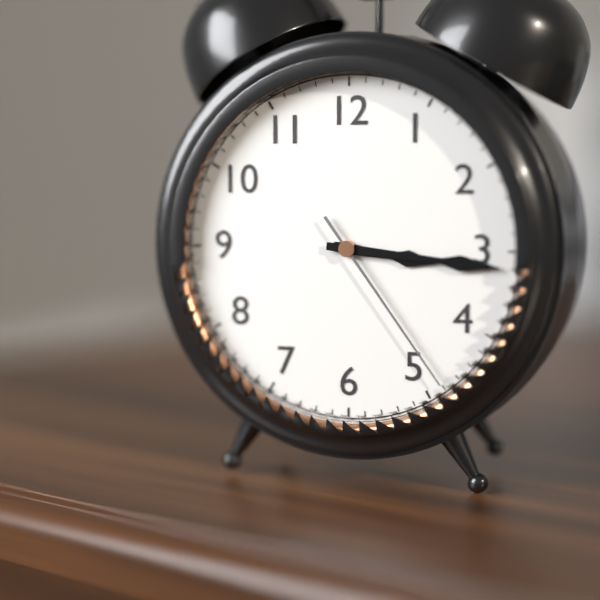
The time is {"hour": 3, "minute": 16, "second": 24}
